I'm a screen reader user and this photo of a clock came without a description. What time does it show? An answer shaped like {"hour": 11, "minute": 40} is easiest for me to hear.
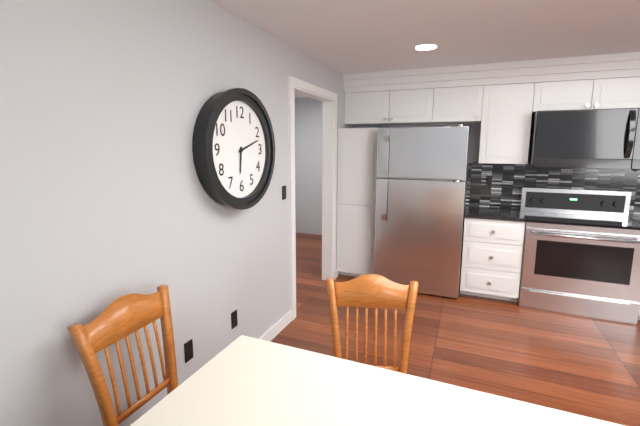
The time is {"hour": 6, "minute": 12}
